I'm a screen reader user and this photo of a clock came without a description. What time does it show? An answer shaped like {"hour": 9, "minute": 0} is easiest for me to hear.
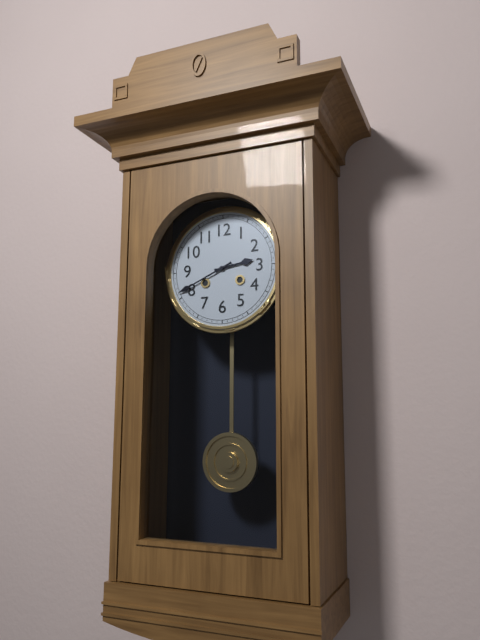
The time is {"hour": 2, "minute": 41}
